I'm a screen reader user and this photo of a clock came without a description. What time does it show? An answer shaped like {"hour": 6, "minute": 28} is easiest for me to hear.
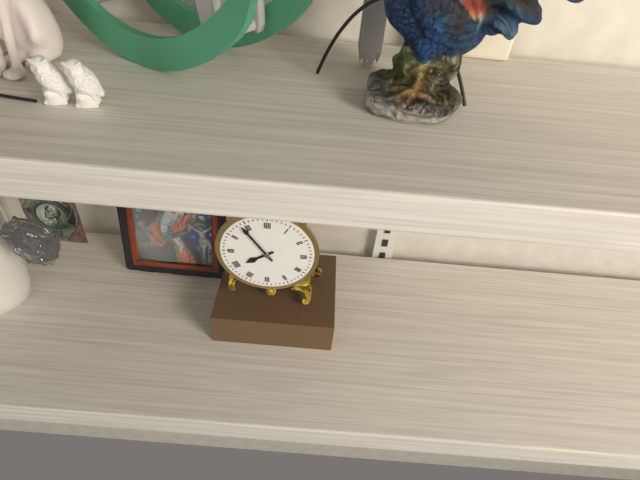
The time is {"hour": 7, "minute": 54}
